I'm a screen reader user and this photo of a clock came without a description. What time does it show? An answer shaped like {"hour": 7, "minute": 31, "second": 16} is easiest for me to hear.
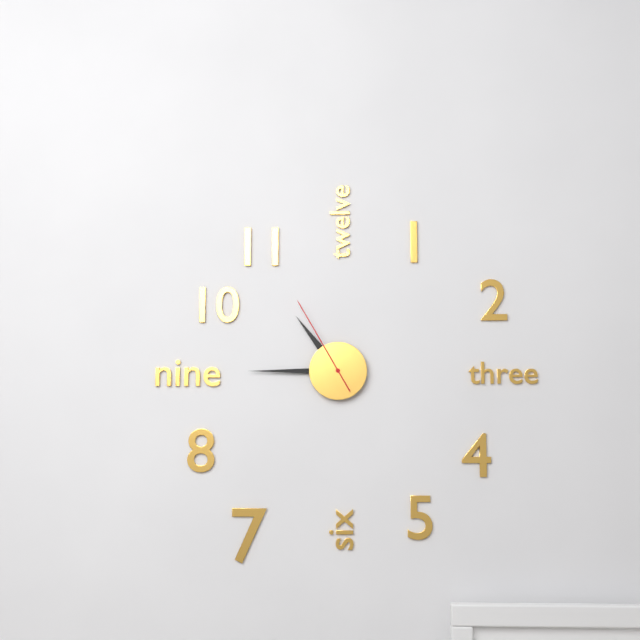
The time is {"hour": 10, "minute": 45, "second": 55}
